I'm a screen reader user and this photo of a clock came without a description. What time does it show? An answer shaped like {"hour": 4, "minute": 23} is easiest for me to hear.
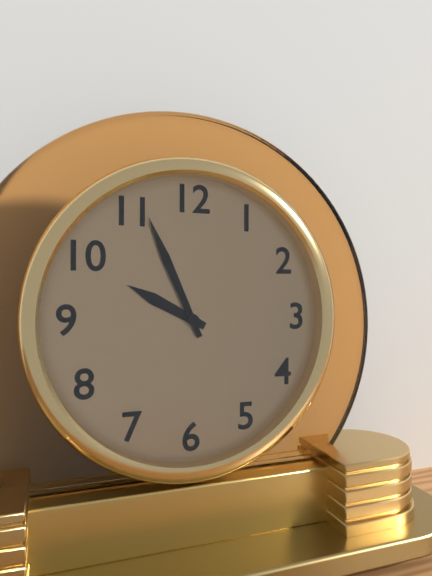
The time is {"hour": 9, "minute": 56}
